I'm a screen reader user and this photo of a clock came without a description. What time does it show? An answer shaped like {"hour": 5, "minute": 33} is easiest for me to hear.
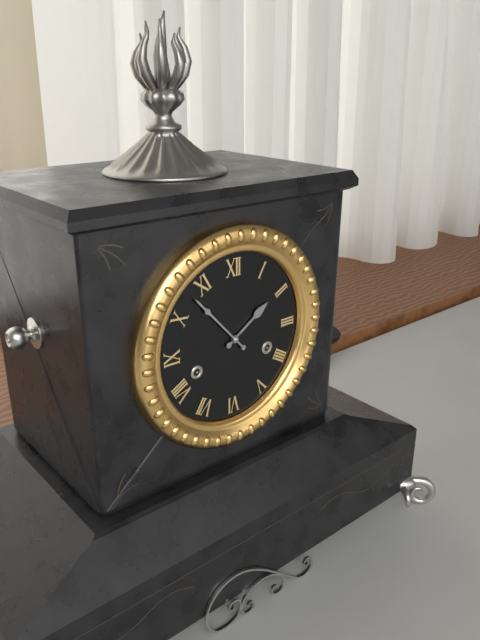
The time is {"hour": 1, "minute": 53}
